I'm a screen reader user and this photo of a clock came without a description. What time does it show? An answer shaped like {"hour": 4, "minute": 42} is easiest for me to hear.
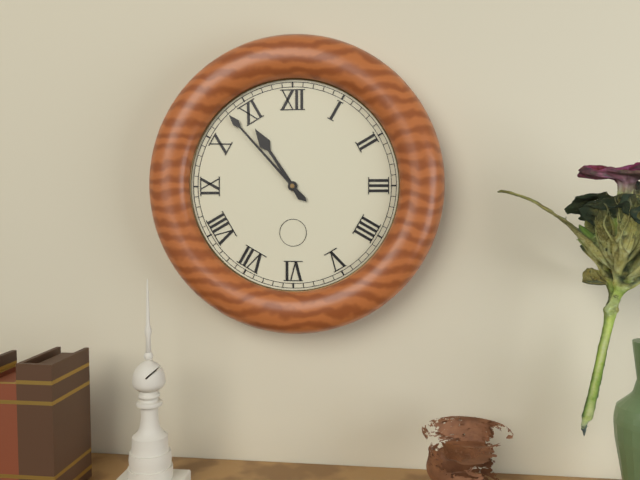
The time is {"hour": 10, "minute": 53}
